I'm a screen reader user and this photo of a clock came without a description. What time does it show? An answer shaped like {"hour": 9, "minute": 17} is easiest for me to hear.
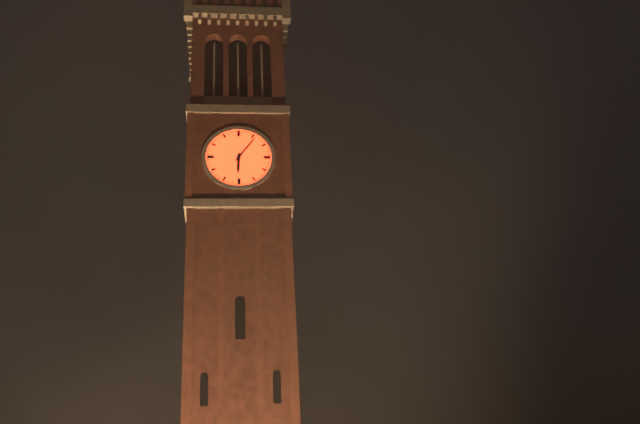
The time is {"hour": 6, "minute": 6}
